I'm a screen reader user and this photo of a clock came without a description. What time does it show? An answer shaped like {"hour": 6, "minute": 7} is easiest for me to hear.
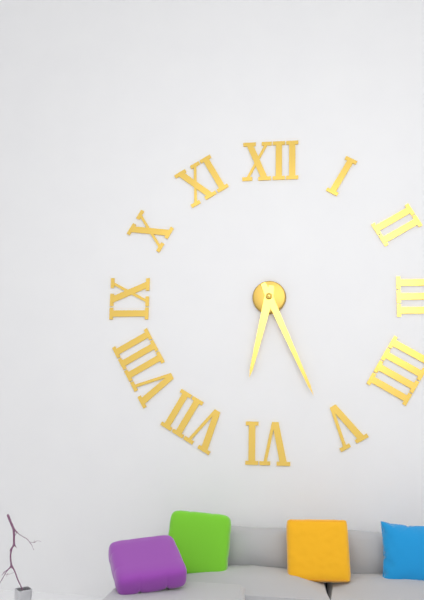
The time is {"hour": 6, "minute": 26}
